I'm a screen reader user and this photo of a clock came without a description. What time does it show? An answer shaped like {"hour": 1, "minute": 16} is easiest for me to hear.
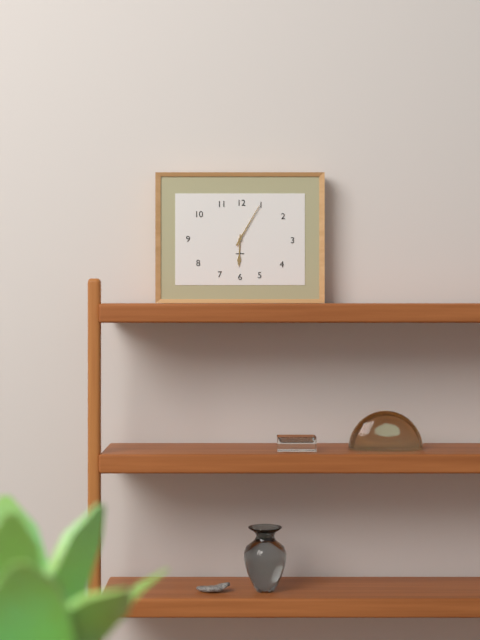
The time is {"hour": 6, "minute": 5}
